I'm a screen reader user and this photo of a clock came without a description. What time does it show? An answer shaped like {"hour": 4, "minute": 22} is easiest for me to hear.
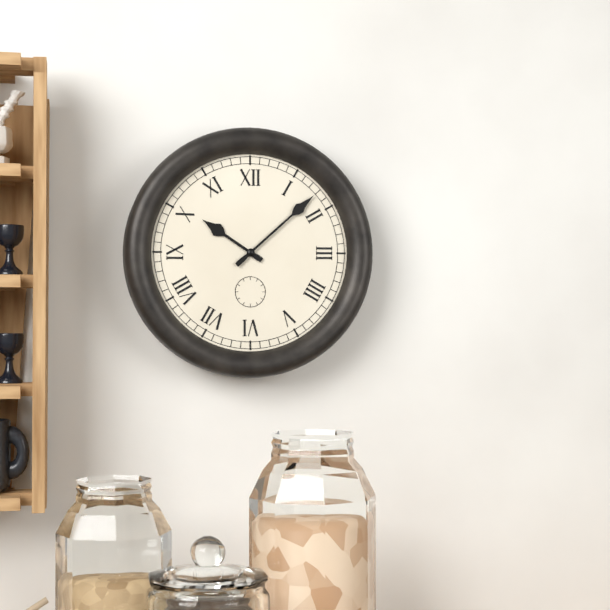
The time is {"hour": 10, "minute": 8}
